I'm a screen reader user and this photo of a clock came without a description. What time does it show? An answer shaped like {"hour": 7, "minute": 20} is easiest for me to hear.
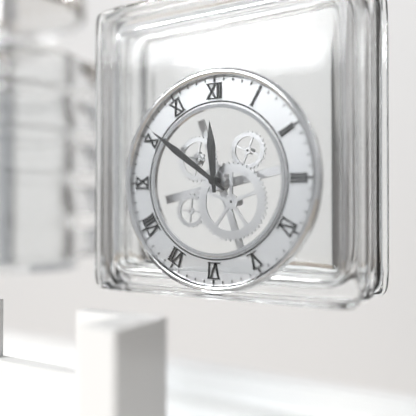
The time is {"hour": 11, "minute": 51}
